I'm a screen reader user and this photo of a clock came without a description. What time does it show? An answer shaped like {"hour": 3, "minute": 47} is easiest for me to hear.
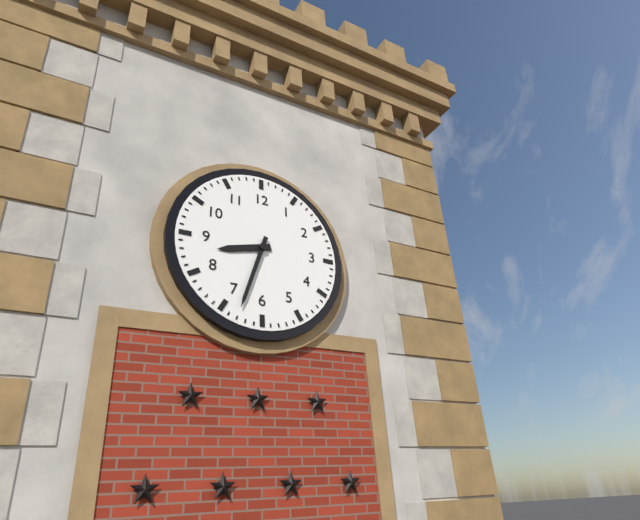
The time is {"hour": 8, "minute": 33}
